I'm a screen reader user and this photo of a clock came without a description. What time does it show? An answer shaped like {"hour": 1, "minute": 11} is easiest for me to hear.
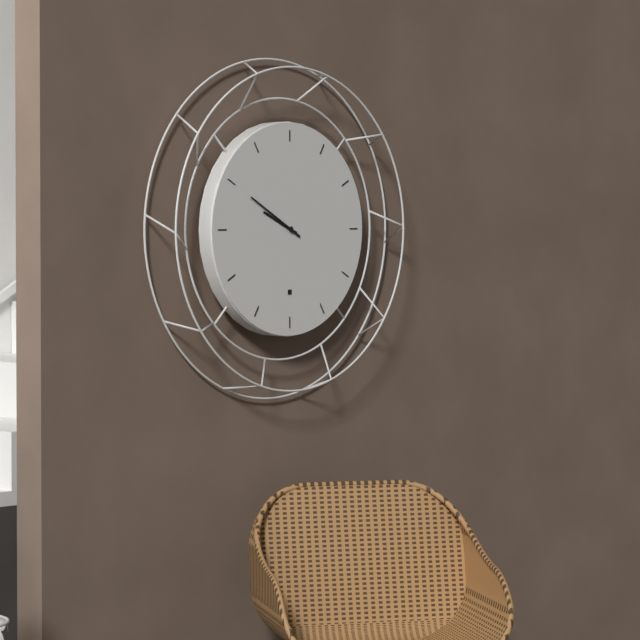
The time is {"hour": 9, "minute": 50}
